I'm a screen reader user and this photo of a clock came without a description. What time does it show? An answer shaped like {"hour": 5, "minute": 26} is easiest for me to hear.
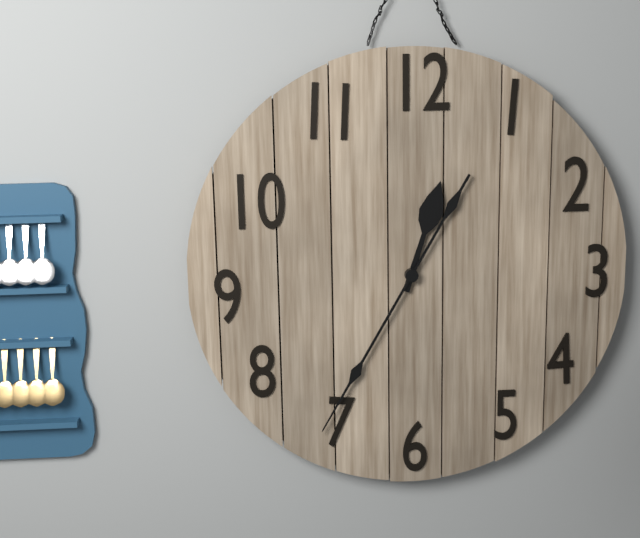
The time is {"hour": 12, "minute": 35}
